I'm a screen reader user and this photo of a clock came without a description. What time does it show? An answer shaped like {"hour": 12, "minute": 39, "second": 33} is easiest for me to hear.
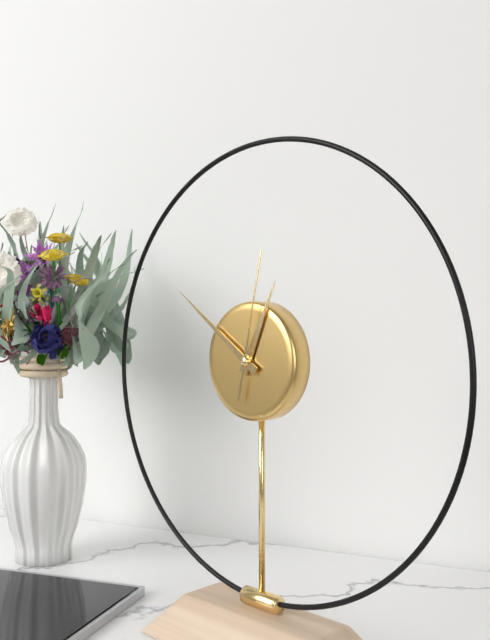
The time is {"hour": 12, "minute": 51, "second": 2}
